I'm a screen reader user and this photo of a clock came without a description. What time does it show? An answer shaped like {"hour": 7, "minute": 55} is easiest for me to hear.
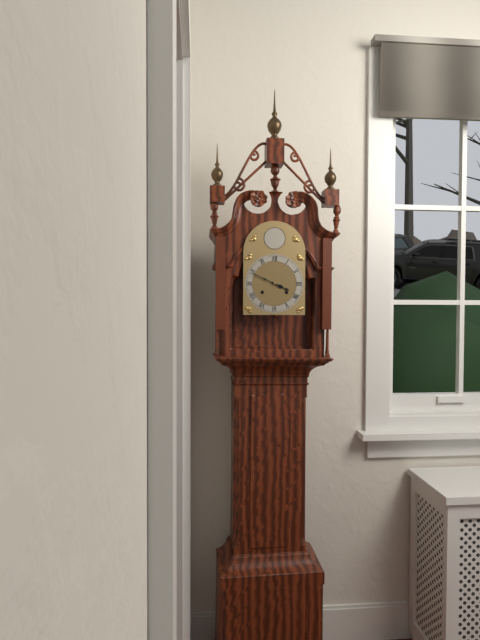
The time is {"hour": 3, "minute": 49}
